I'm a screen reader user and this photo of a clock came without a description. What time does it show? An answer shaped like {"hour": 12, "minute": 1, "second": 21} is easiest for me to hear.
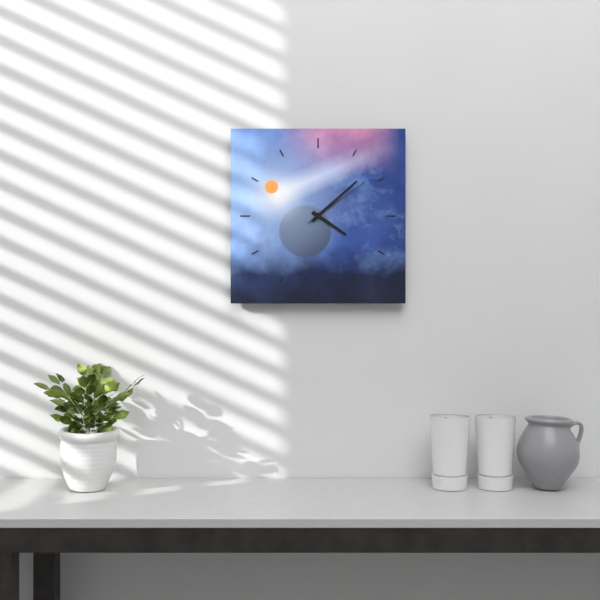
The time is {"hour": 4, "minute": 8, "second": 9}
